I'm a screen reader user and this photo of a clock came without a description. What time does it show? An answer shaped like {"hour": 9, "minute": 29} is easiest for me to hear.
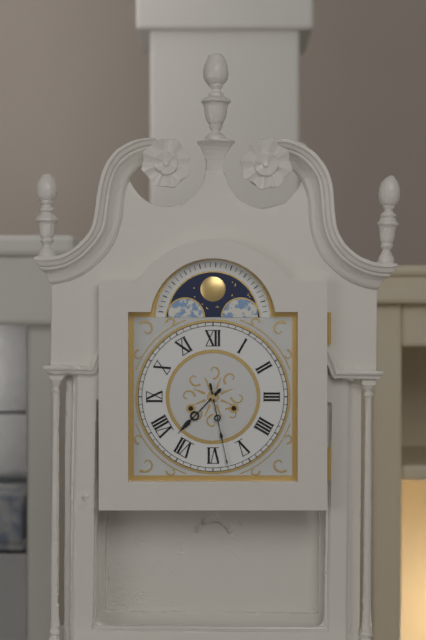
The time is {"hour": 7, "minute": 28}
